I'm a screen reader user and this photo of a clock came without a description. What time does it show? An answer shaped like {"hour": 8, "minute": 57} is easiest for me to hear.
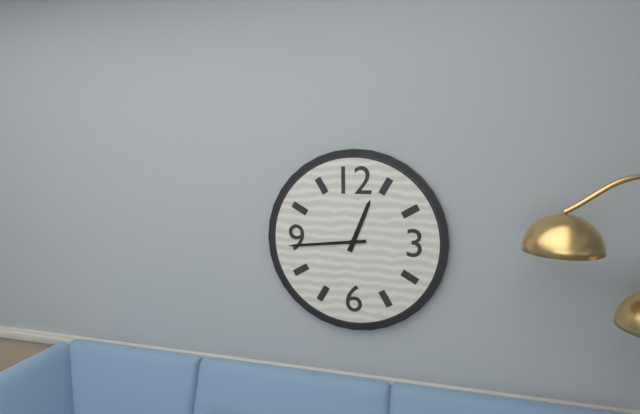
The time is {"hour": 12, "minute": 44}
